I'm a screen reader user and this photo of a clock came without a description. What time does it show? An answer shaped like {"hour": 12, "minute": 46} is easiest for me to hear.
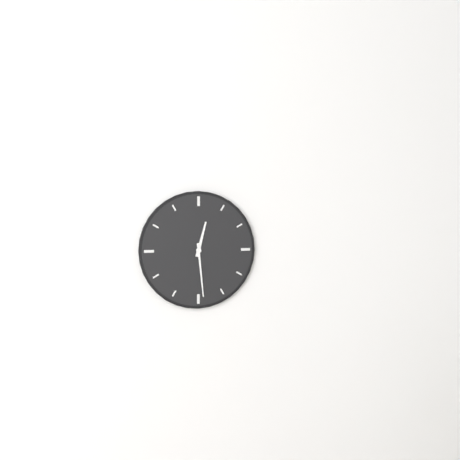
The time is {"hour": 12, "minute": 29}
